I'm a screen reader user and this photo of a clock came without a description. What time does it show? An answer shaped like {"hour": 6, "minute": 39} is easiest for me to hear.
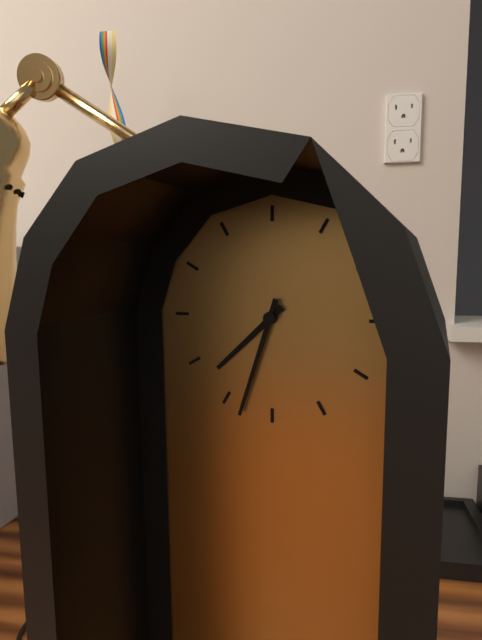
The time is {"hour": 7, "minute": 33}
